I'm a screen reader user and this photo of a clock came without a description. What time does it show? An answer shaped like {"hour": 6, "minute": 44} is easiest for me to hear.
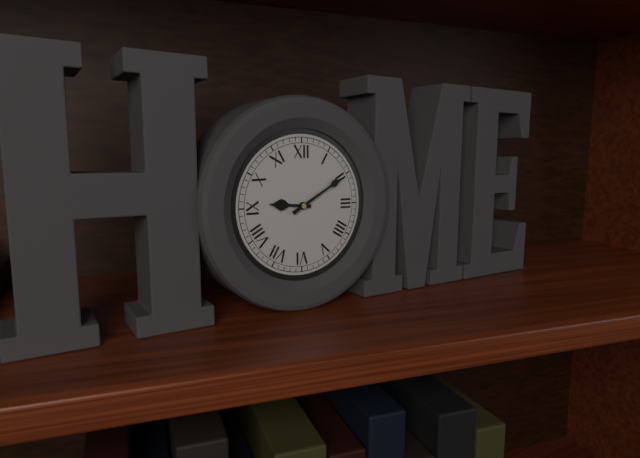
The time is {"hour": 9, "minute": 10}
